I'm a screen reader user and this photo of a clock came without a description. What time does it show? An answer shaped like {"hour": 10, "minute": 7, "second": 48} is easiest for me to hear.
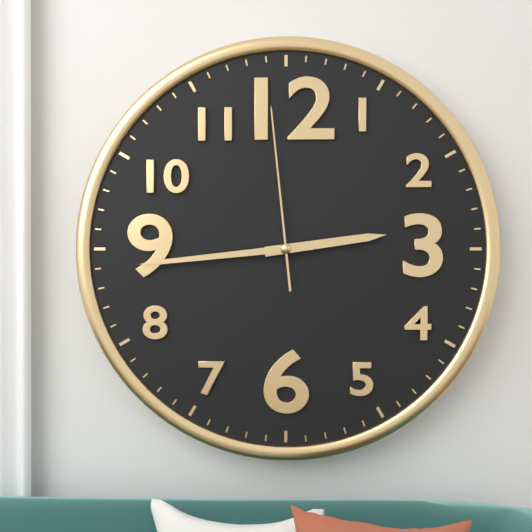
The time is {"hour": 2, "minute": 44, "second": 59}
